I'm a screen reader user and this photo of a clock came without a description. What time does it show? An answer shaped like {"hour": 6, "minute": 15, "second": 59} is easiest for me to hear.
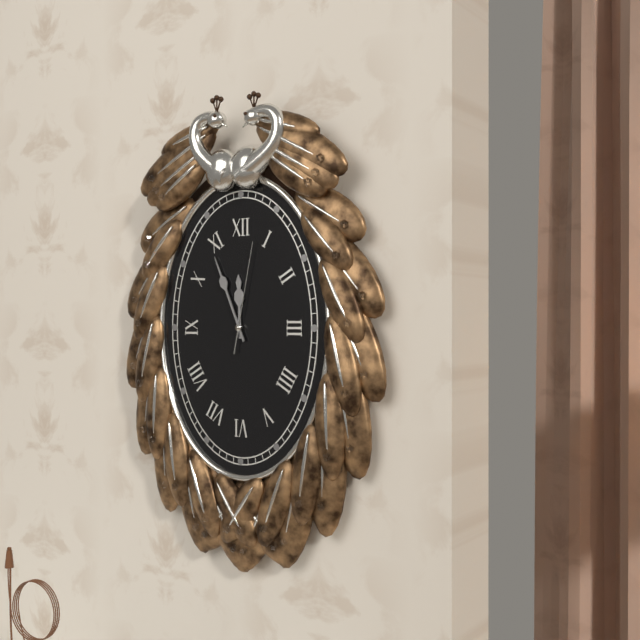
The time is {"hour": 11, "minute": 56, "second": 2}
